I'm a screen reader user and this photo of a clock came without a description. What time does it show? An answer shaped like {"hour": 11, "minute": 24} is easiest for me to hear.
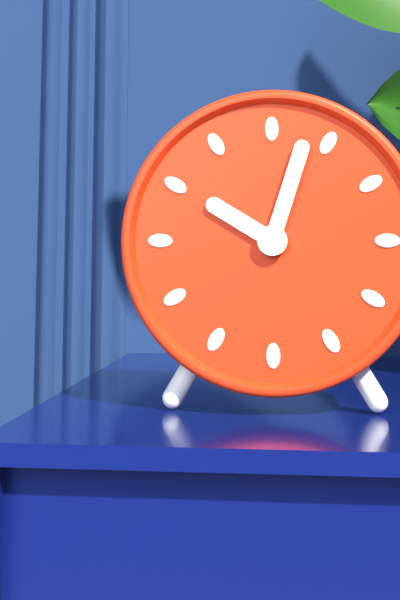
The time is {"hour": 10, "minute": 3}
